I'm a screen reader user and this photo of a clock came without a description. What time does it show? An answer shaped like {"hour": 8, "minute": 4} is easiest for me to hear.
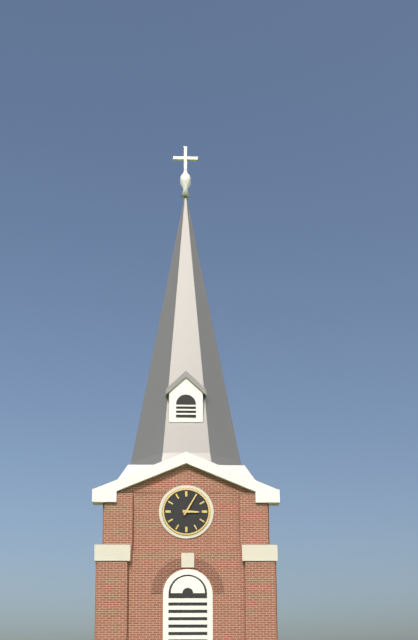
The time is {"hour": 3, "minute": 5}
